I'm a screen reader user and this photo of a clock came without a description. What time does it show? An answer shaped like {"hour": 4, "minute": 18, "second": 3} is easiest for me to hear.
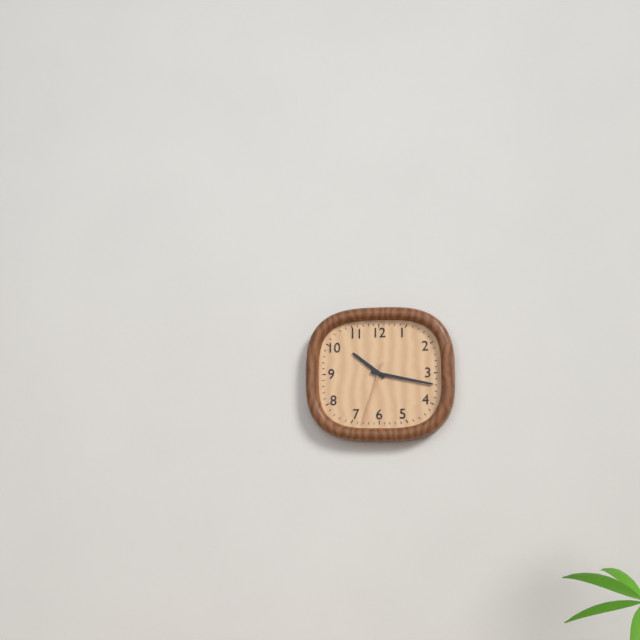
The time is {"hour": 10, "minute": 17, "second": 33}
